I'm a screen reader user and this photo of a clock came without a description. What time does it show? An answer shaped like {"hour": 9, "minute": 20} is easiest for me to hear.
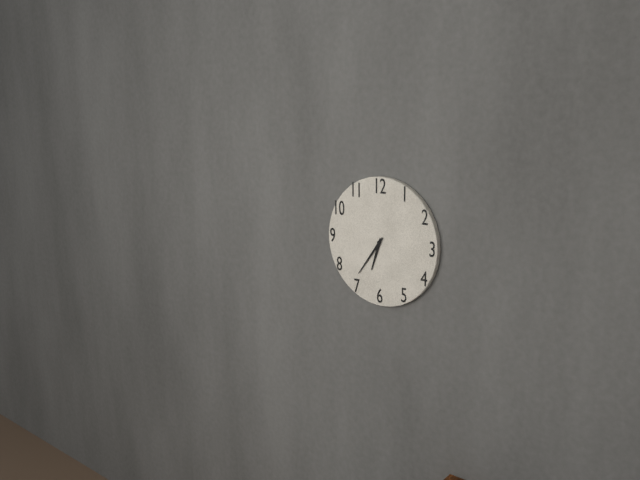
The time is {"hour": 6, "minute": 36}
